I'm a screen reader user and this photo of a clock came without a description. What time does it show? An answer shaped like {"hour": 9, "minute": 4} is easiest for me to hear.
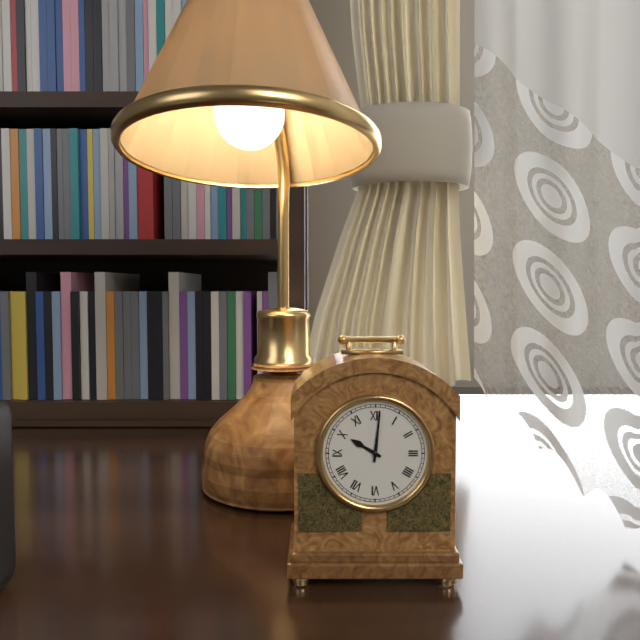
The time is {"hour": 10, "minute": 1}
